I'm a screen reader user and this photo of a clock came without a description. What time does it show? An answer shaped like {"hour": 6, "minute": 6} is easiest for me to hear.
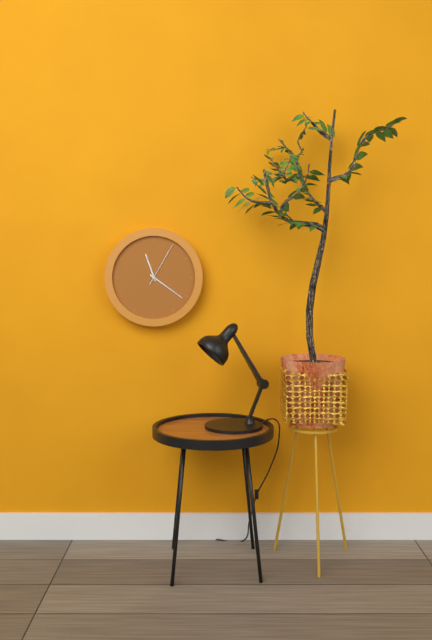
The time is {"hour": 11, "minute": 21}
